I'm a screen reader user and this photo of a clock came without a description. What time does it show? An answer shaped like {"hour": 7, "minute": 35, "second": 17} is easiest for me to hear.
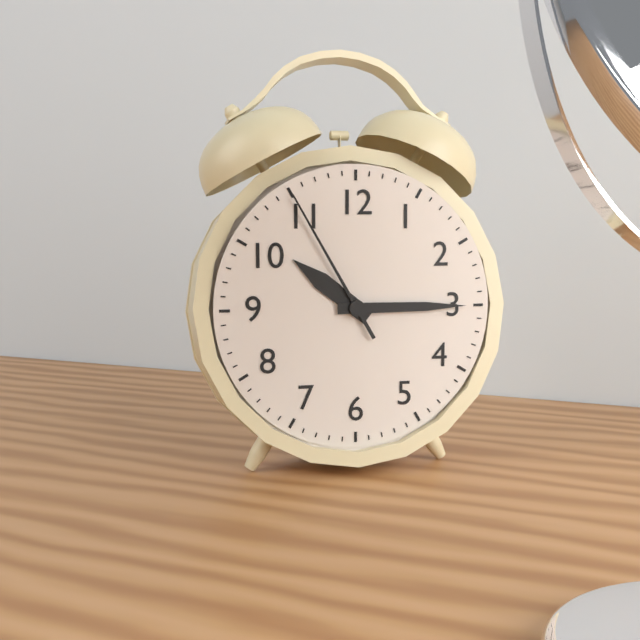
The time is {"hour": 10, "minute": 15, "second": 55}
